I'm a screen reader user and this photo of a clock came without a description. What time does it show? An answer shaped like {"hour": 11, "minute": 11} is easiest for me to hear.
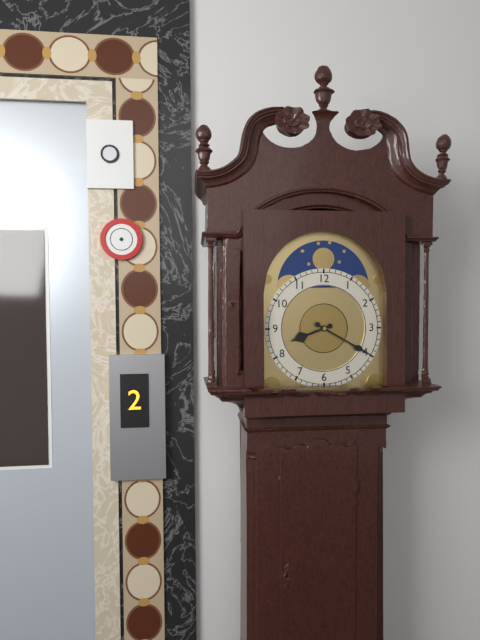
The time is {"hour": 8, "minute": 20}
